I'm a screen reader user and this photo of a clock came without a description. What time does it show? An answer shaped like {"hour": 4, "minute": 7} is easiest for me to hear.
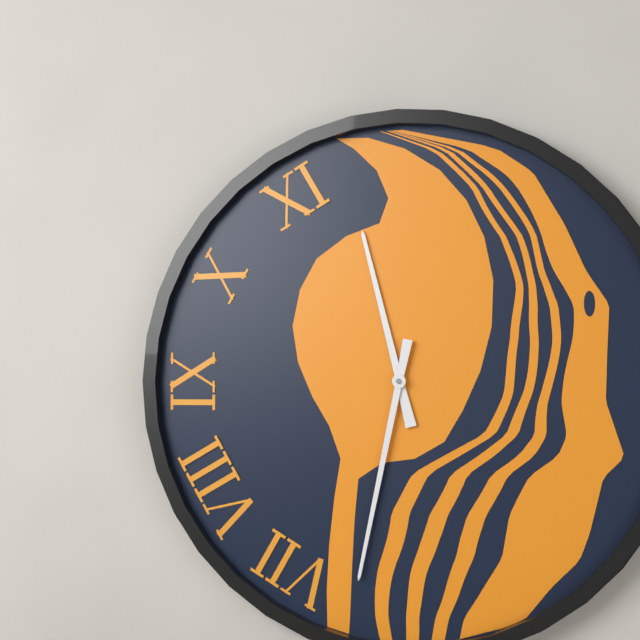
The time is {"hour": 11, "minute": 32}
